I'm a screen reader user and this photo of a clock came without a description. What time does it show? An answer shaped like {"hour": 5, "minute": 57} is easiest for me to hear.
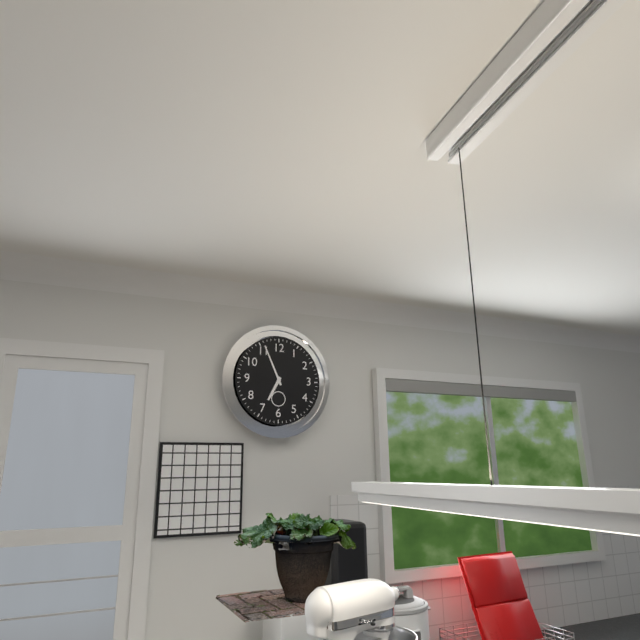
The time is {"hour": 6, "minute": 56}
